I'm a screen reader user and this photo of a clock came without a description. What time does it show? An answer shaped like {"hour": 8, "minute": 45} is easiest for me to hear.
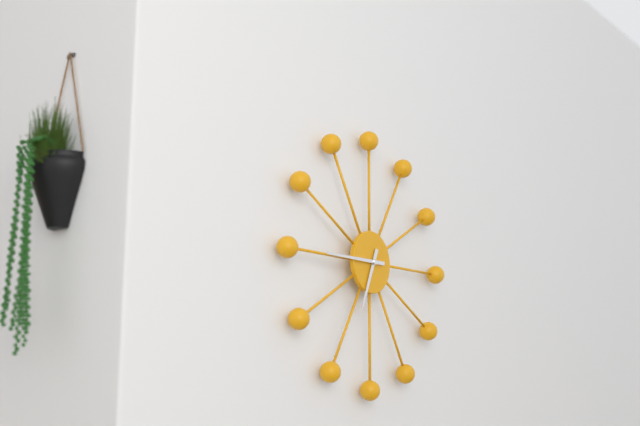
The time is {"hour": 6, "minute": 45}
